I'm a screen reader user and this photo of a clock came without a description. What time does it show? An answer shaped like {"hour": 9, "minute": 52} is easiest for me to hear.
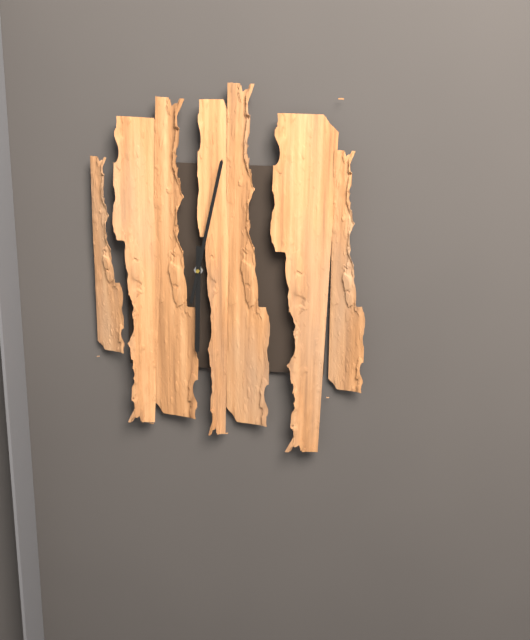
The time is {"hour": 6, "minute": 2}
